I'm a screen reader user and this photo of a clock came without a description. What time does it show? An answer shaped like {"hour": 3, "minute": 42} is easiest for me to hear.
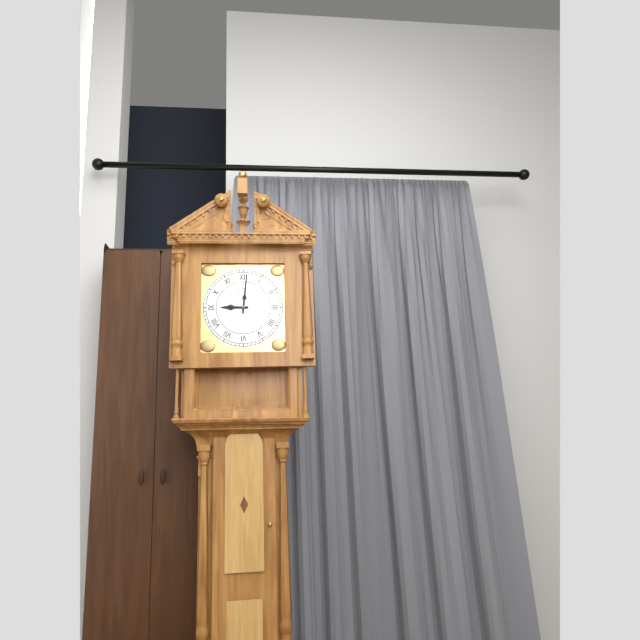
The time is {"hour": 9, "minute": 1}
